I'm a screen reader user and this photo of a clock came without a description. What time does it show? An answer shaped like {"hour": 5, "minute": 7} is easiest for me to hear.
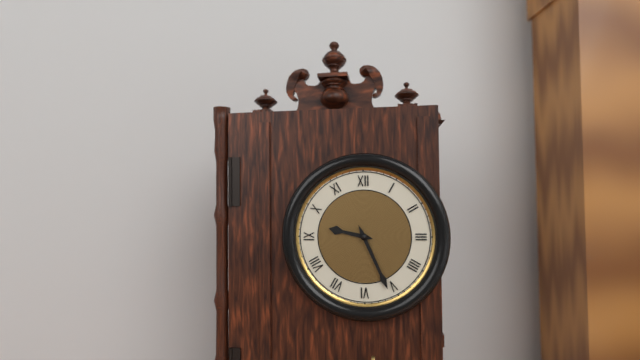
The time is {"hour": 9, "minute": 26}
